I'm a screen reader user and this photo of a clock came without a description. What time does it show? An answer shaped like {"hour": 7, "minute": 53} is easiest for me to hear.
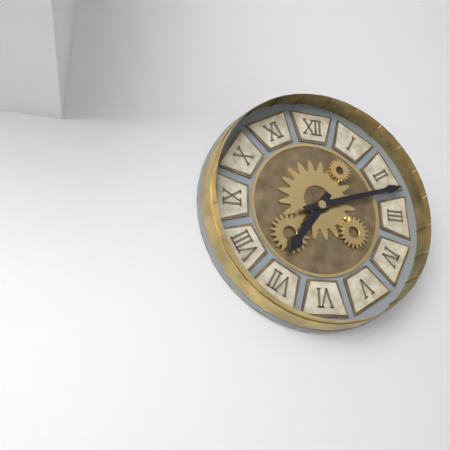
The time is {"hour": 7, "minute": 12}
